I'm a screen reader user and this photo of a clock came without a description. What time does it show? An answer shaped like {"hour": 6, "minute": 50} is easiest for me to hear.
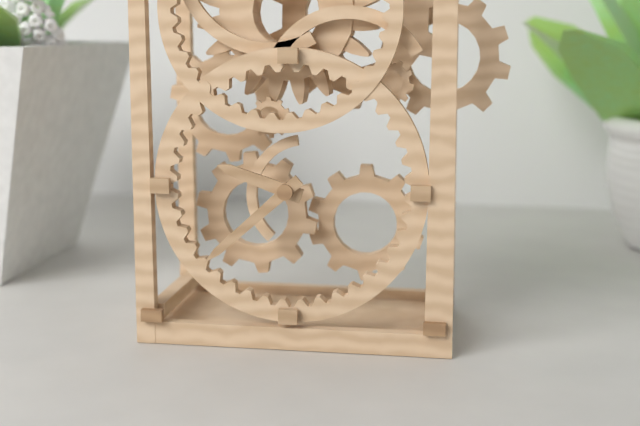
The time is {"hour": 9, "minute": 38}
